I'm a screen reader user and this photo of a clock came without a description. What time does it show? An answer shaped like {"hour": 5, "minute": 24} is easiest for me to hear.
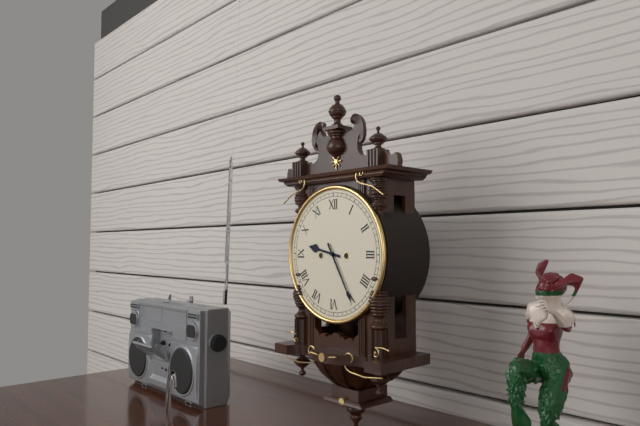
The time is {"hour": 9, "minute": 25}
